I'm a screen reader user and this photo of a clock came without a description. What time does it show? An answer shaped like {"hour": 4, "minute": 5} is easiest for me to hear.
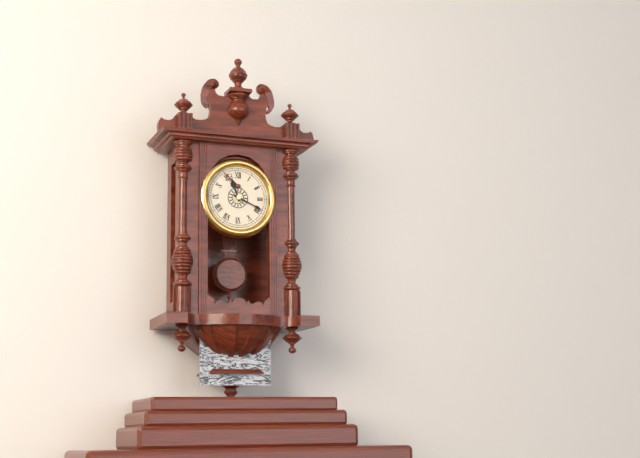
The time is {"hour": 11, "minute": 19}
